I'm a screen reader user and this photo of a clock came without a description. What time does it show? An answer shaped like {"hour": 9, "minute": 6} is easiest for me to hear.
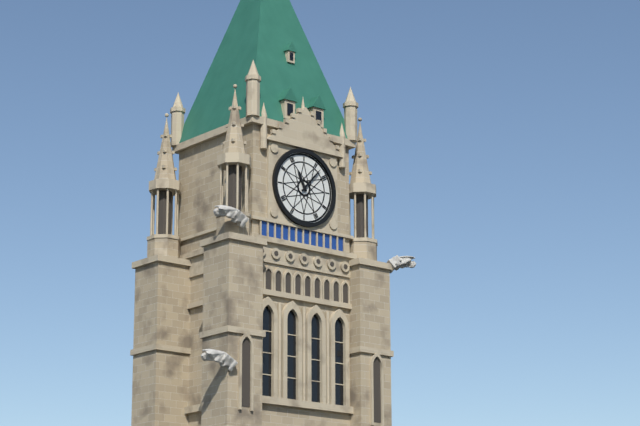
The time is {"hour": 11, "minute": 7}
